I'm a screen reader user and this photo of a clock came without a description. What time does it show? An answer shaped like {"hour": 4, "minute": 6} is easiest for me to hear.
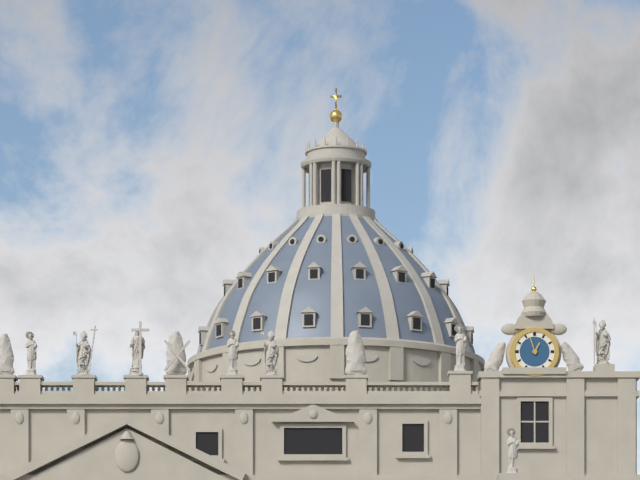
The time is {"hour": 12, "minute": 57}
